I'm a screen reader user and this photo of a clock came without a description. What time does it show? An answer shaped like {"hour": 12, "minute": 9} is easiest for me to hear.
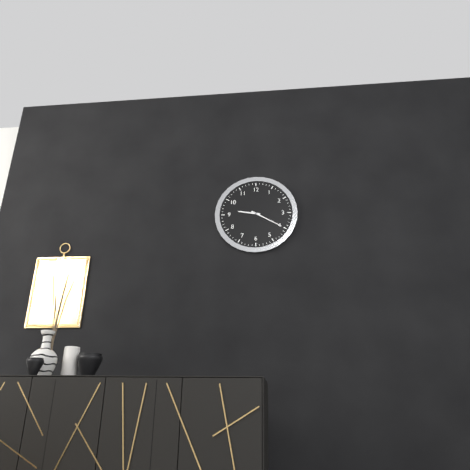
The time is {"hour": 9, "minute": 20}
